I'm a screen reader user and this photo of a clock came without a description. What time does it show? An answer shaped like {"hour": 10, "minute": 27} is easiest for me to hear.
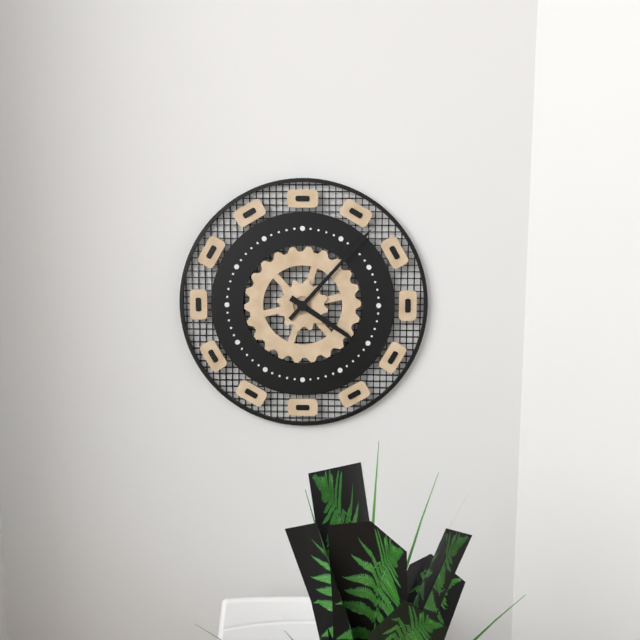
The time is {"hour": 4, "minute": 7}
